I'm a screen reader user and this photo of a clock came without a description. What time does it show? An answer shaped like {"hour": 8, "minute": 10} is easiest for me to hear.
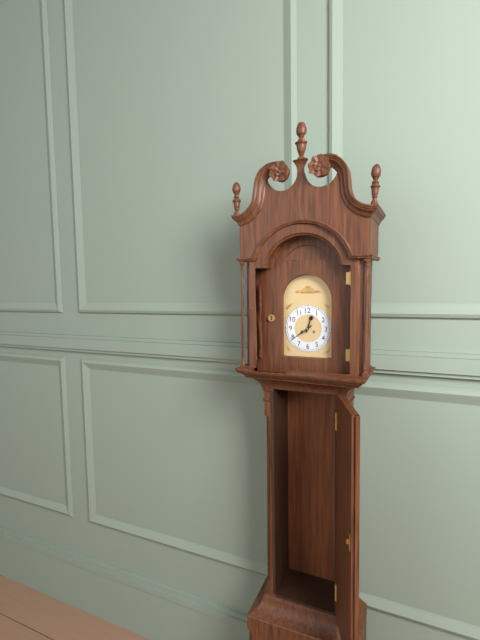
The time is {"hour": 12, "minute": 39}
